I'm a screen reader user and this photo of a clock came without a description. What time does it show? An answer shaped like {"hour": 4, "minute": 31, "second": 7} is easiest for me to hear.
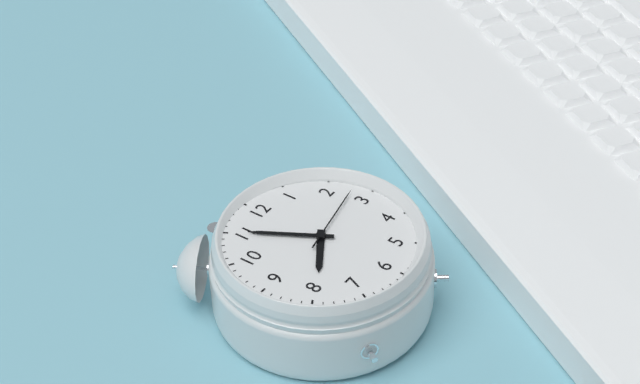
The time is {"hour": 7, "minute": 55, "second": 13}
